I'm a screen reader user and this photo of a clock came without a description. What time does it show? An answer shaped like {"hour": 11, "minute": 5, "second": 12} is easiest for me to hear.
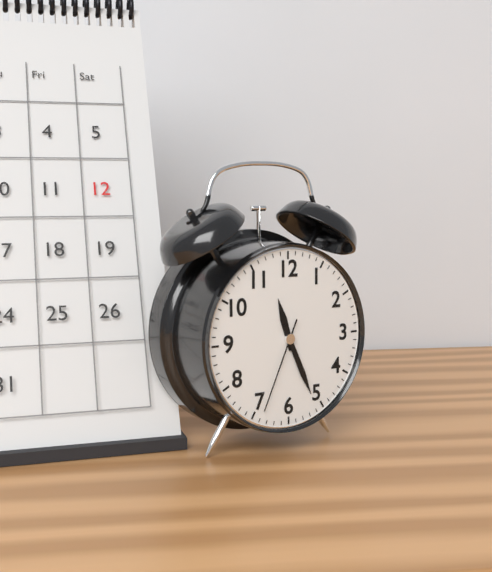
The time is {"hour": 11, "minute": 26, "second": 34}
